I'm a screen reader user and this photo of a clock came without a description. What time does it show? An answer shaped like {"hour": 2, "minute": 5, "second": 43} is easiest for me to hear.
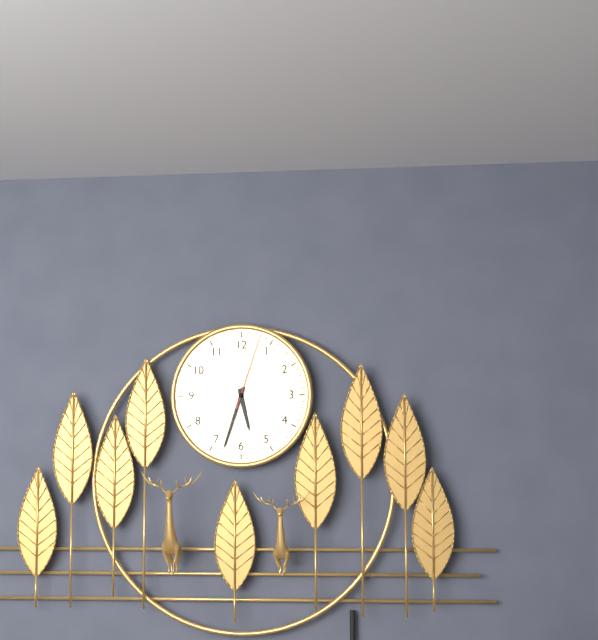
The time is {"hour": 5, "minute": 33, "second": 3}
